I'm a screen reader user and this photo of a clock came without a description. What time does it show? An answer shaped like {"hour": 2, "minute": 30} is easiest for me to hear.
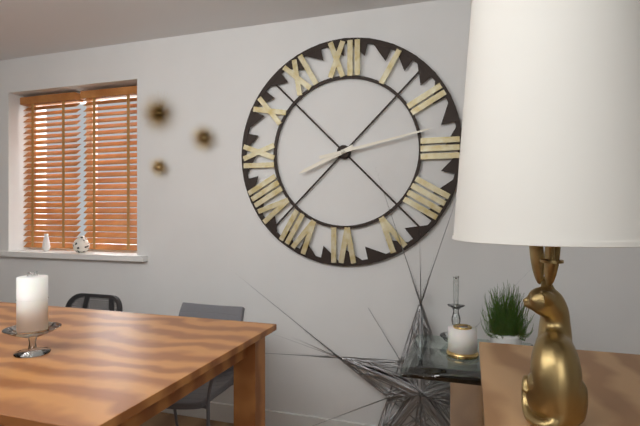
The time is {"hour": 8, "minute": 13}
